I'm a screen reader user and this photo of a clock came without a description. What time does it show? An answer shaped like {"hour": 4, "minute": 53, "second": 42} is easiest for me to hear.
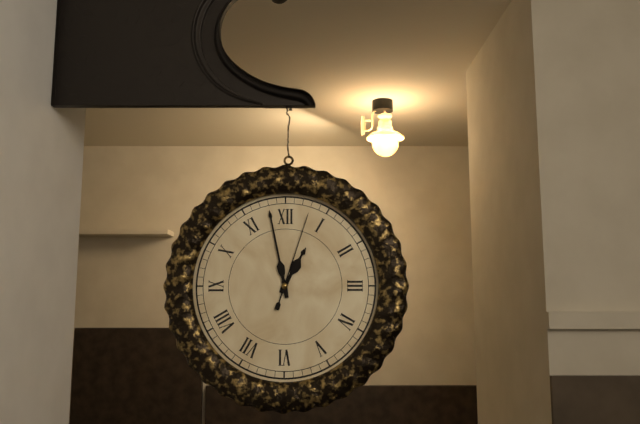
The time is {"hour": 12, "minute": 58, "second": 3}
